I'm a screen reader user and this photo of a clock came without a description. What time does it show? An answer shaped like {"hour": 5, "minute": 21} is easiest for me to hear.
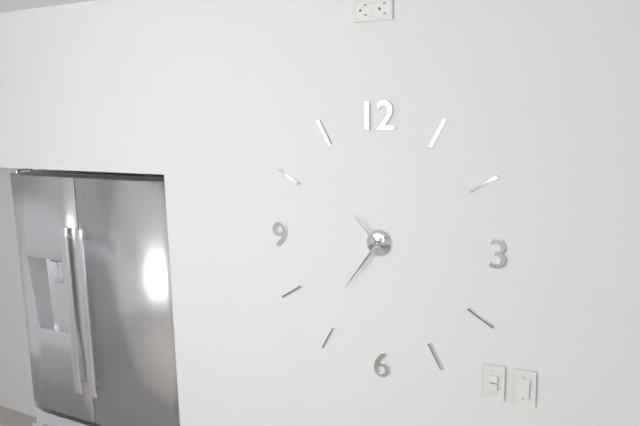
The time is {"hour": 10, "minute": 36}
